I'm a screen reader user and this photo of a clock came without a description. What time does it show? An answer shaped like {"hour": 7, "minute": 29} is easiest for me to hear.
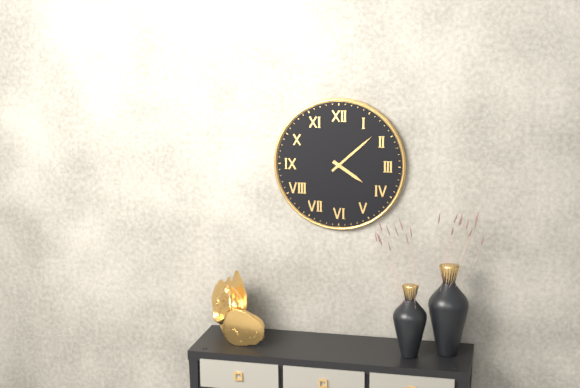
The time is {"hour": 4, "minute": 8}
